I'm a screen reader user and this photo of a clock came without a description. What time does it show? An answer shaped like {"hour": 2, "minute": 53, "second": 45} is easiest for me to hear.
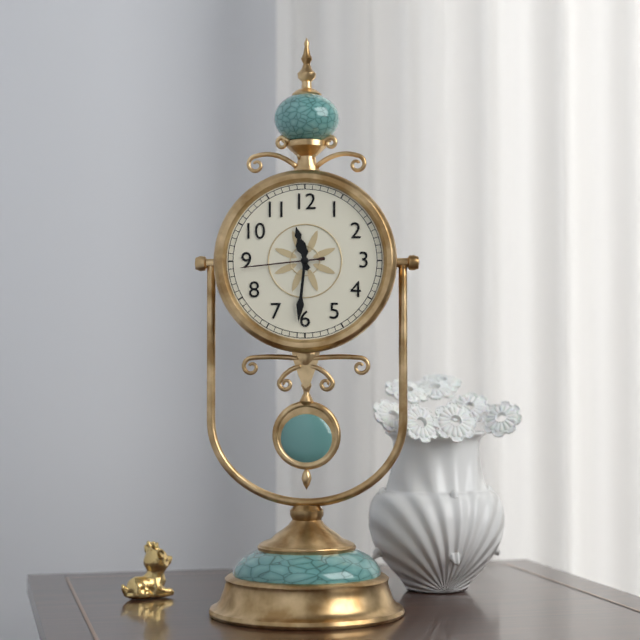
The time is {"hour": 11, "minute": 31, "second": 44}
